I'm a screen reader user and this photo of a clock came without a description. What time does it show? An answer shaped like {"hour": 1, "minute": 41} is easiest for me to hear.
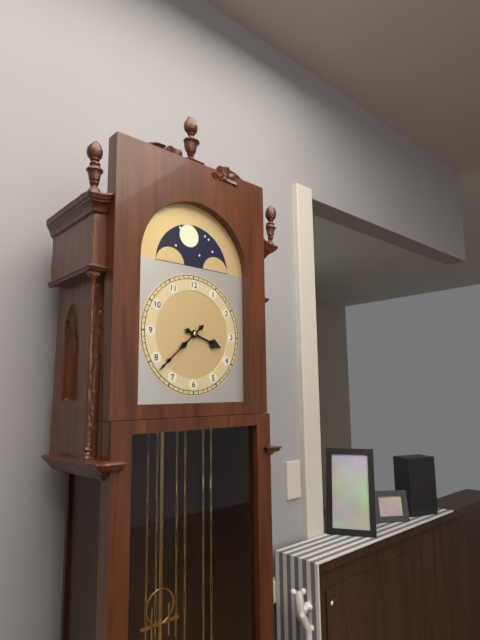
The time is {"hour": 3, "minute": 38}
